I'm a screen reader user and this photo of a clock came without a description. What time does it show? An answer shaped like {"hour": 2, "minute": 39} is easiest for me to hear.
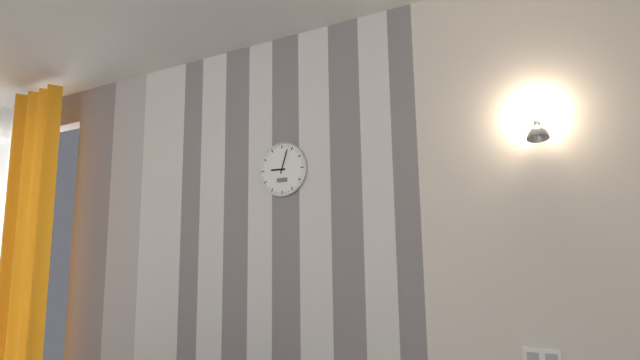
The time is {"hour": 9, "minute": 3}
